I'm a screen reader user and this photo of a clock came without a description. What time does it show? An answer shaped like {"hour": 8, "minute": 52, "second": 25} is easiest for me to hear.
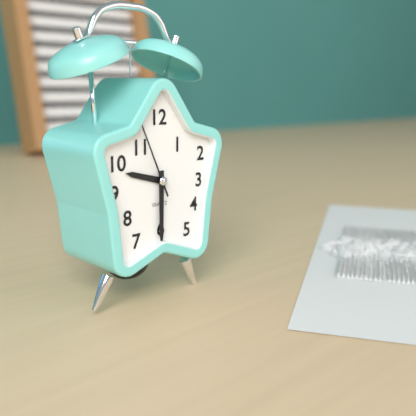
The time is {"hour": 9, "minute": 30, "second": 56}
